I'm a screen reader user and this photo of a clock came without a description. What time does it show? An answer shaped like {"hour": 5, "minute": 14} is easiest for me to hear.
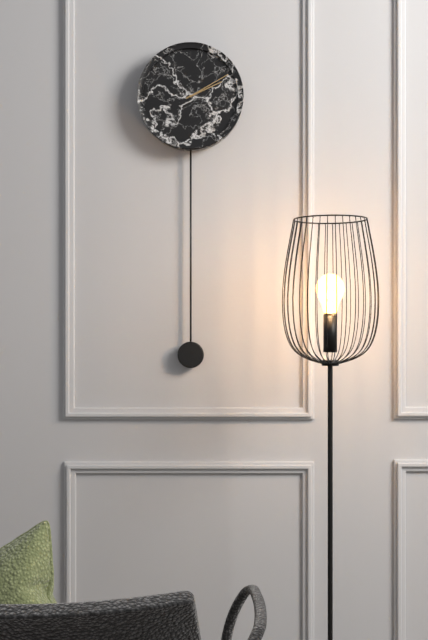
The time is {"hour": 2, "minute": 10}
